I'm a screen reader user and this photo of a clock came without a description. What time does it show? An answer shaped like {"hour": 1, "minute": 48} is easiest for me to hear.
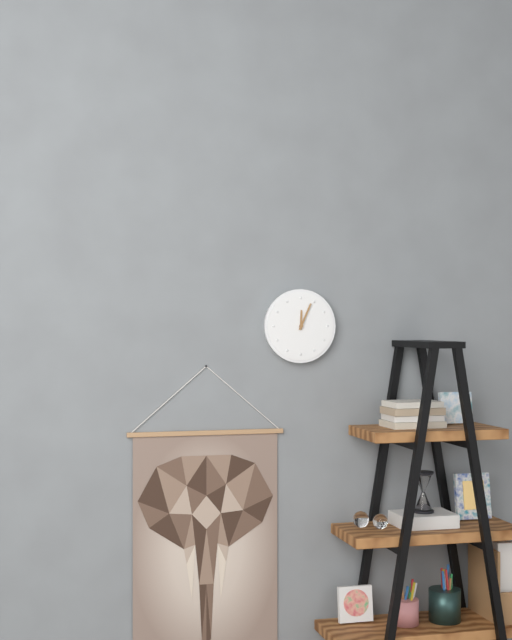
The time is {"hour": 12, "minute": 4}
